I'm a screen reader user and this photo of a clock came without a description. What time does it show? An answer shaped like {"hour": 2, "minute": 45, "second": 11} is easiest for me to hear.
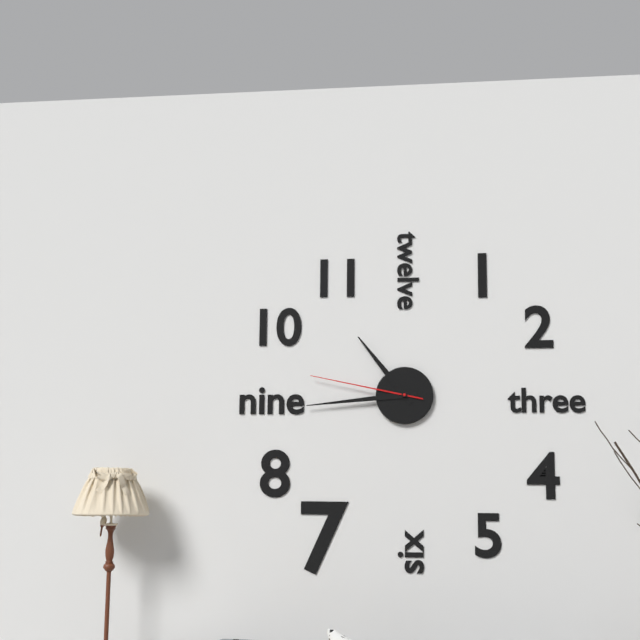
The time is {"hour": 10, "minute": 44, "second": 47}
